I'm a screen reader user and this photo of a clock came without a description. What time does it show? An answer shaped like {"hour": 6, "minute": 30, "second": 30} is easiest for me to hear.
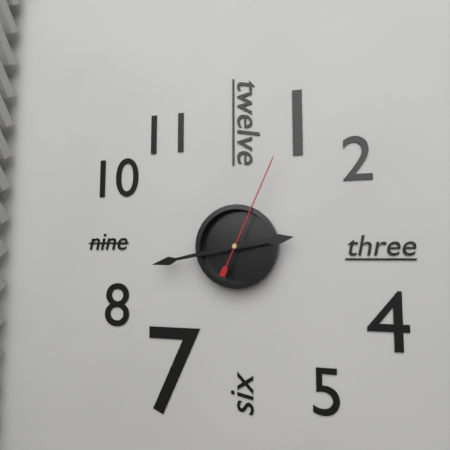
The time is {"hour": 2, "minute": 43, "second": 4}
